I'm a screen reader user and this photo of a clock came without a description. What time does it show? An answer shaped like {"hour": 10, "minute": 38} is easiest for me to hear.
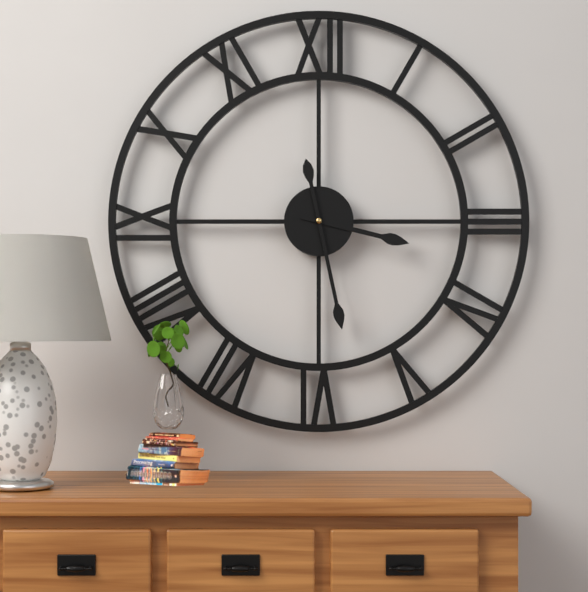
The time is {"hour": 3, "minute": 28}
